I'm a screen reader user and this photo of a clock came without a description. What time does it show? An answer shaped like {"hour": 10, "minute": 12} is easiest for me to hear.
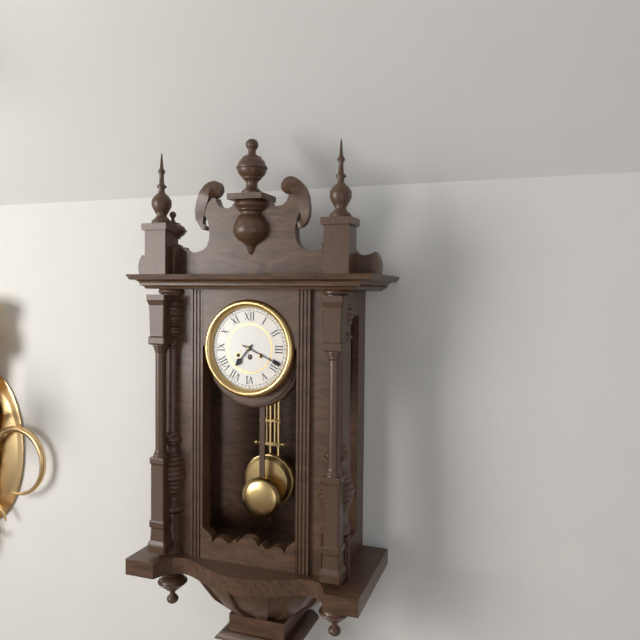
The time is {"hour": 7, "minute": 19}
